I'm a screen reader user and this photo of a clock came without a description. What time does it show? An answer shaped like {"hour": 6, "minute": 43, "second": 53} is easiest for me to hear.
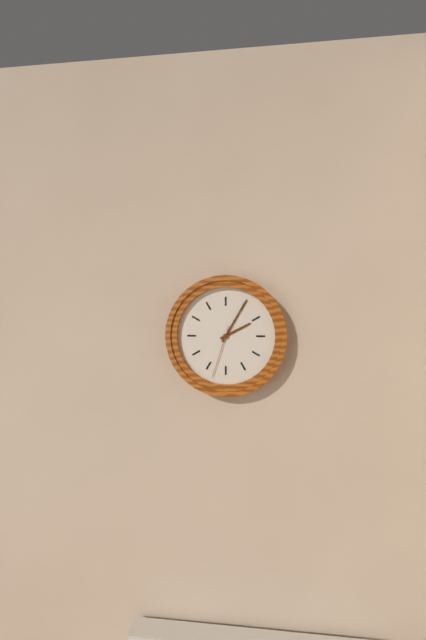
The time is {"hour": 2, "minute": 5, "second": 33}
